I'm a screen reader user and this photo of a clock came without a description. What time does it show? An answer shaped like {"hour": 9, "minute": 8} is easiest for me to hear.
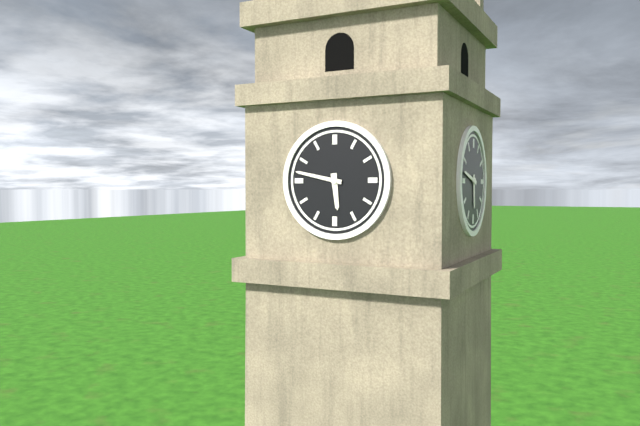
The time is {"hour": 5, "minute": 47}
